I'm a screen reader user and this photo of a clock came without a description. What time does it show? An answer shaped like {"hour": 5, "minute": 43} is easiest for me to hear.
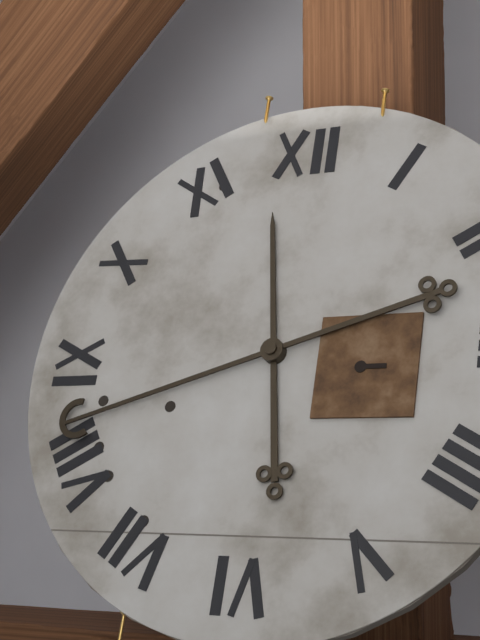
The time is {"hour": 11, "minute": 42}
